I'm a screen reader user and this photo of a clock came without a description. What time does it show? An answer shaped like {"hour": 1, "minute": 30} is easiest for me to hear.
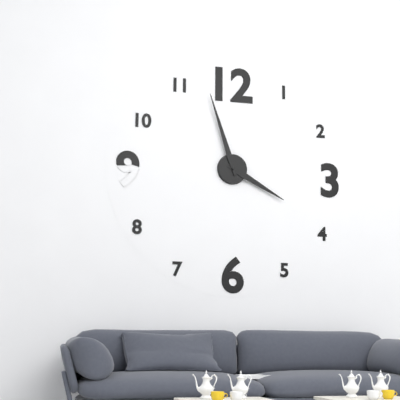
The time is {"hour": 3, "minute": 57}
